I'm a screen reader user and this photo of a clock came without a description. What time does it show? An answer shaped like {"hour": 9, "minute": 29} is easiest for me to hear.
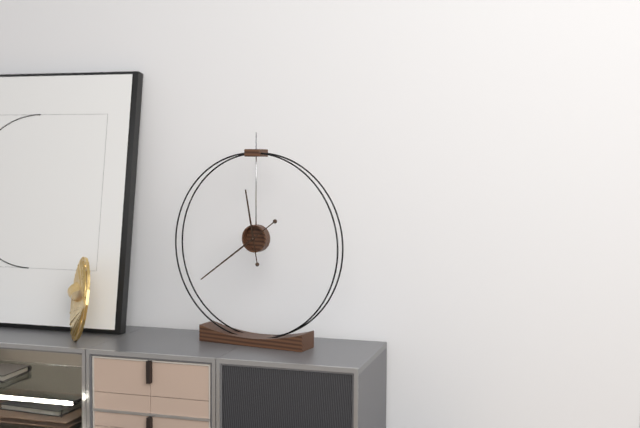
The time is {"hour": 11, "minute": 39}
